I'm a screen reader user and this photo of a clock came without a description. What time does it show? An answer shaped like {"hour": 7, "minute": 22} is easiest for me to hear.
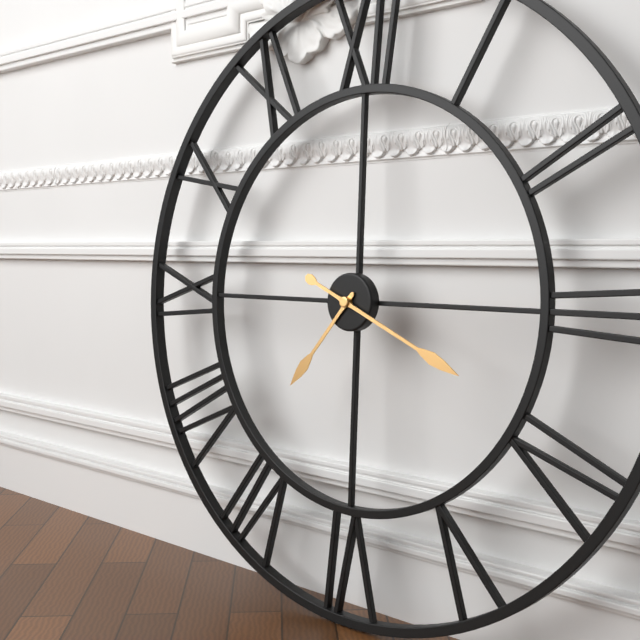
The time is {"hour": 7, "minute": 19}
